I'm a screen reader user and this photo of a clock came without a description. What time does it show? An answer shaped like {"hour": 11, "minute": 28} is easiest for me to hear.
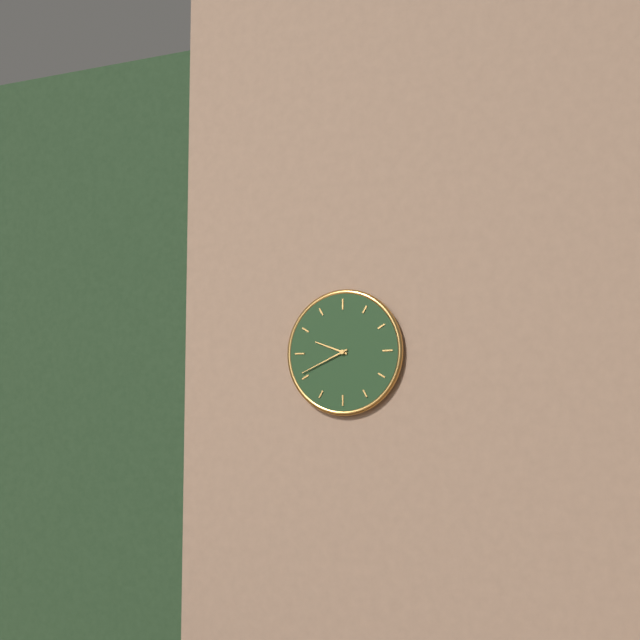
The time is {"hour": 9, "minute": 41}
